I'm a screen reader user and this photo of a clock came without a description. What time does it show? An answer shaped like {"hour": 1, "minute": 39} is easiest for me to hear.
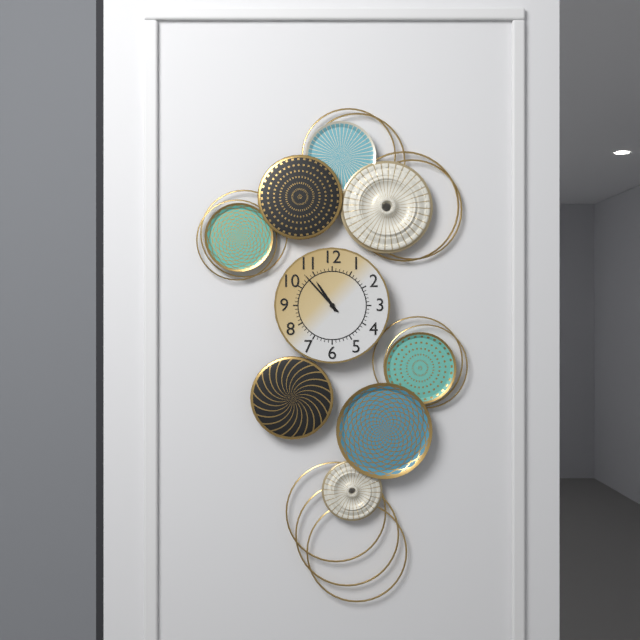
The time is {"hour": 10, "minute": 53}
